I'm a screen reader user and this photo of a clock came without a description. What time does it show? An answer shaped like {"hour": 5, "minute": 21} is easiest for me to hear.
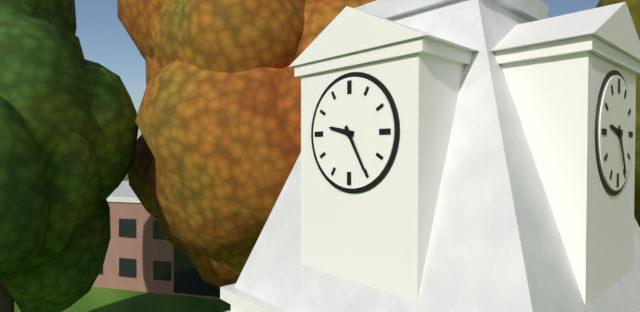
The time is {"hour": 9, "minute": 25}
